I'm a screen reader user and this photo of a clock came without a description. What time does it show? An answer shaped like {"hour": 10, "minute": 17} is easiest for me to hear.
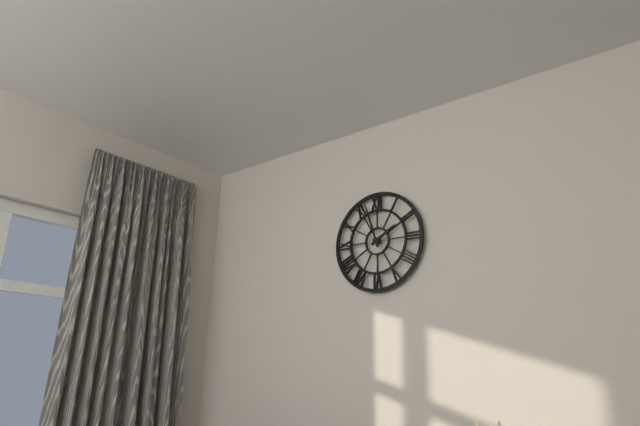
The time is {"hour": 1, "minute": 57}
